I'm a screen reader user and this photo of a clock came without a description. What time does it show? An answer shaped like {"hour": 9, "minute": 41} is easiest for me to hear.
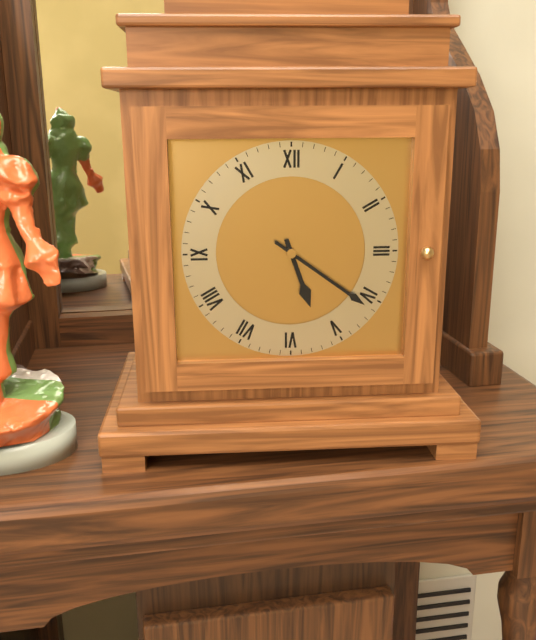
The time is {"hour": 5, "minute": 21}
